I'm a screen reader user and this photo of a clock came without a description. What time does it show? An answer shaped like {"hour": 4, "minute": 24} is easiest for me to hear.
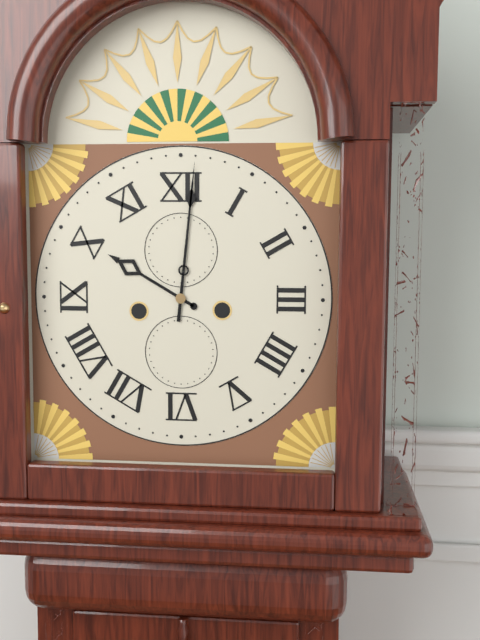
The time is {"hour": 10, "minute": 1}
